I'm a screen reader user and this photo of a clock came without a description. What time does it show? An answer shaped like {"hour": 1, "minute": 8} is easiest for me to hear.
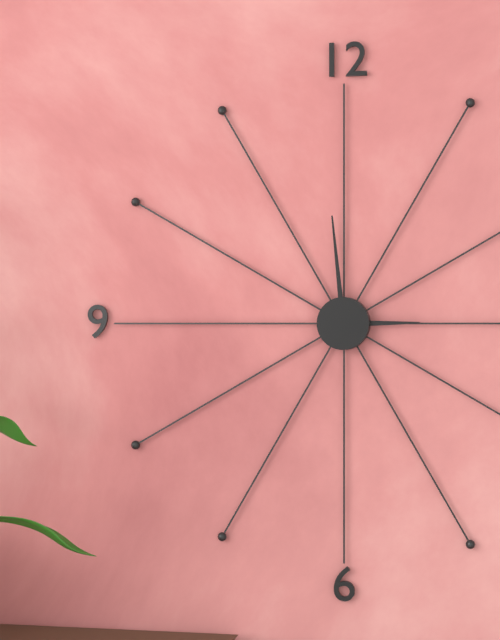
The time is {"hour": 2, "minute": 59}
